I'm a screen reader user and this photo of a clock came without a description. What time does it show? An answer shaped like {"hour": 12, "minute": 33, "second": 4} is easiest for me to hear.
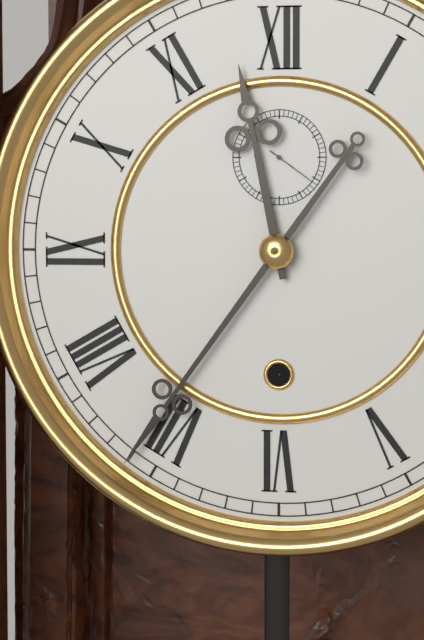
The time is {"hour": 11, "minute": 36, "second": 21}
